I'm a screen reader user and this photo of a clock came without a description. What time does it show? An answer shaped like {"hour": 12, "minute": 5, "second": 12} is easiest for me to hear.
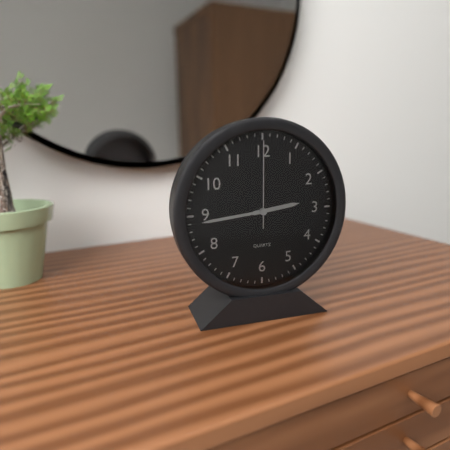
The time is {"hour": 2, "minute": 44, "second": 0}
